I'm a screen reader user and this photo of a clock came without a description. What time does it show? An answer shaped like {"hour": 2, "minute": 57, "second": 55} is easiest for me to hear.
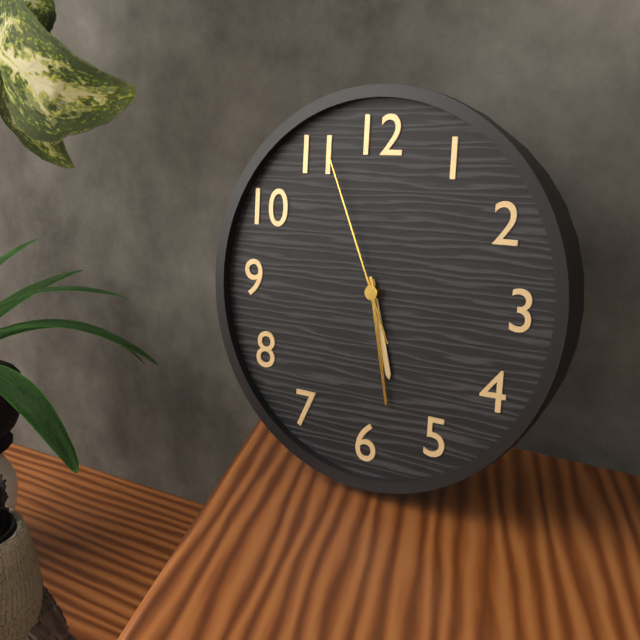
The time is {"hour": 5, "minute": 28, "second": 56}
